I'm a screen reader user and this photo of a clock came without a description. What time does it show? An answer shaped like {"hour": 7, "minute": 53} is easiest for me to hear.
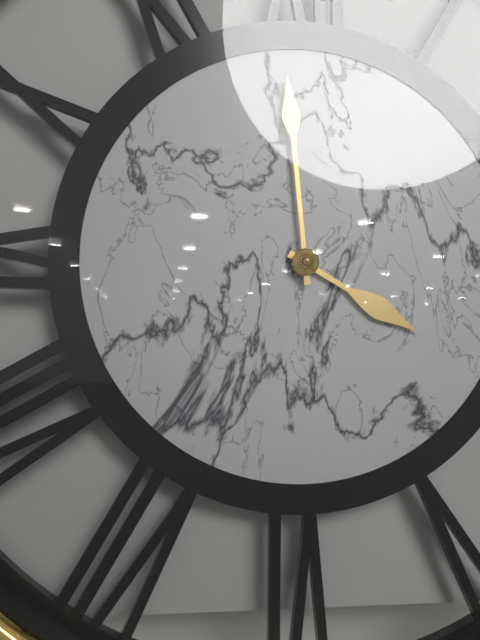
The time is {"hour": 3, "minute": 59}
